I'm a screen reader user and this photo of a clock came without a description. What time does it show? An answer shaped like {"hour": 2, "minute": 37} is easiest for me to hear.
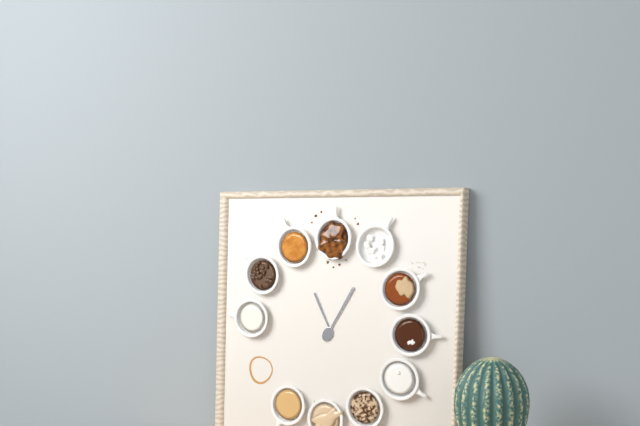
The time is {"hour": 11, "minute": 5}
